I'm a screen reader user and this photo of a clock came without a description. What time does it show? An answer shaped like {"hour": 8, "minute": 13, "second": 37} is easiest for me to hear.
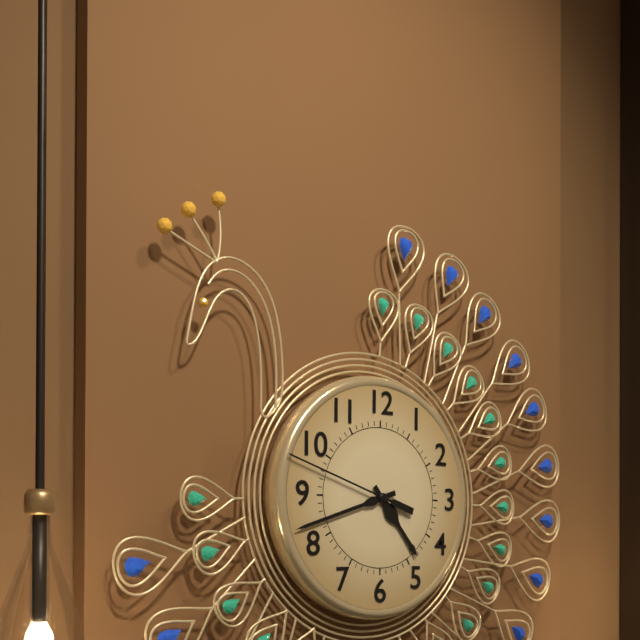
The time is {"hour": 4, "minute": 42, "second": 48}
